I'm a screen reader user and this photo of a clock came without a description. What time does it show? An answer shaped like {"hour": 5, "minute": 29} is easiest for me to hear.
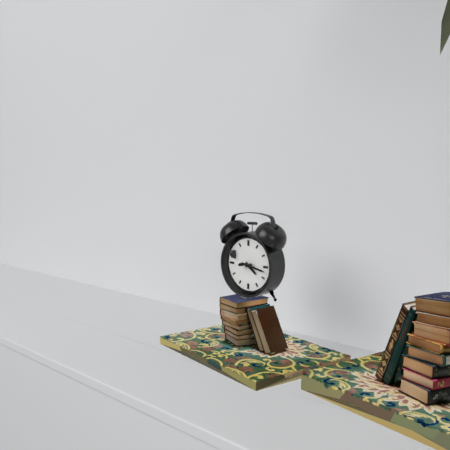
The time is {"hour": 4, "minute": 17}
